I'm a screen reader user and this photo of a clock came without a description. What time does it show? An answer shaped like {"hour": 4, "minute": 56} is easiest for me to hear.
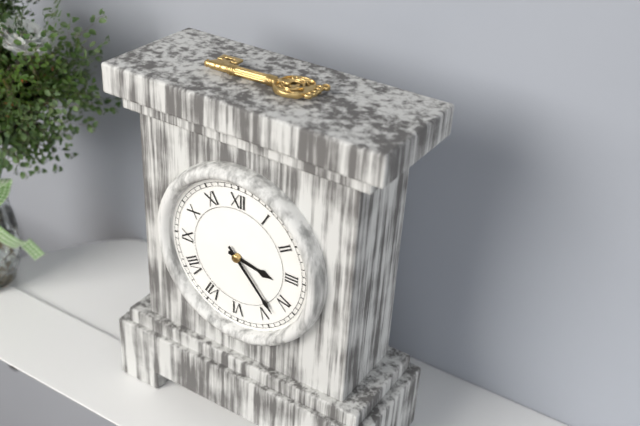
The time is {"hour": 3, "minute": 23}
